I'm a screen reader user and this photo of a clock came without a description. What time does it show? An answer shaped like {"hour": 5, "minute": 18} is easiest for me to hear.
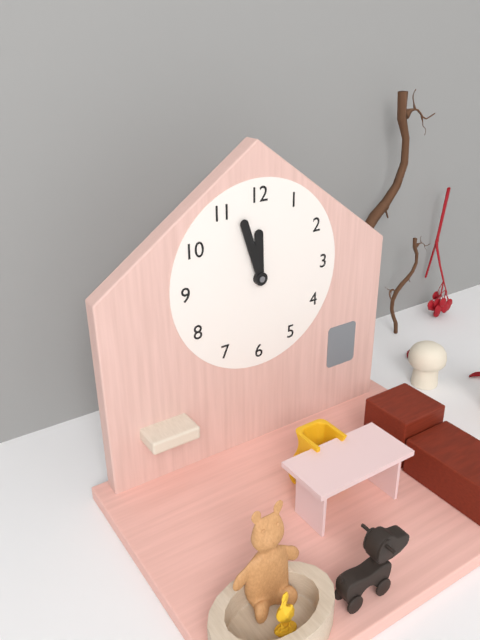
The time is {"hour": 11, "minute": 57}
